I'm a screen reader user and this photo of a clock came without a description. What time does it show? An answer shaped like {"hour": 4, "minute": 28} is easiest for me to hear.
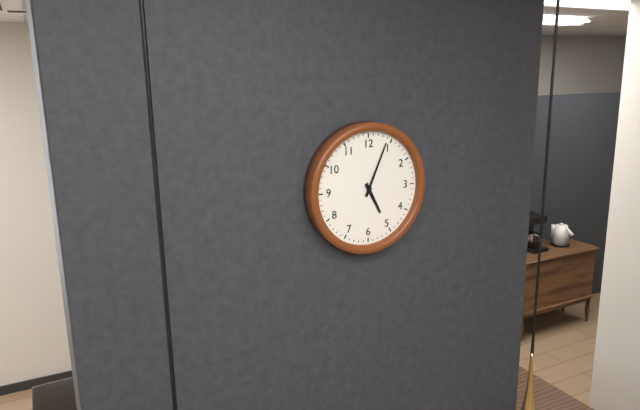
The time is {"hour": 5, "minute": 4}
